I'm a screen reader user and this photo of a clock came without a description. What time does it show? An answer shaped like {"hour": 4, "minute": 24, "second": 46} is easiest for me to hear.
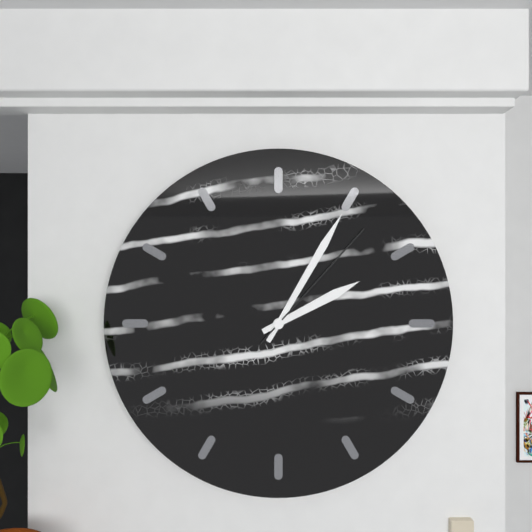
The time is {"hour": 2, "minute": 5, "second": 7}
